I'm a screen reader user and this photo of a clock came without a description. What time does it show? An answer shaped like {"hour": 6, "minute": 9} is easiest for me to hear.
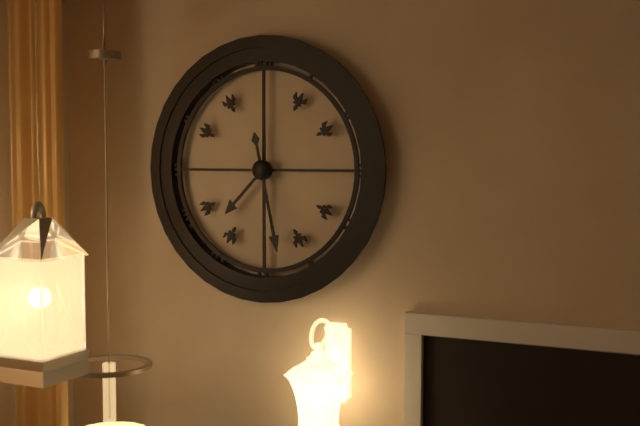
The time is {"hour": 7, "minute": 28}
